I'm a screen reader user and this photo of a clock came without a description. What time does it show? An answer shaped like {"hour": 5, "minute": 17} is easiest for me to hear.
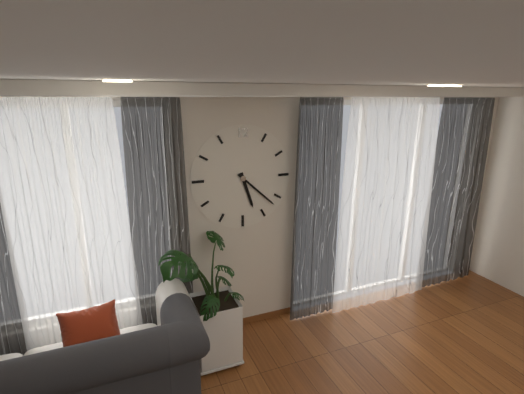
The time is {"hour": 5, "minute": 22}
